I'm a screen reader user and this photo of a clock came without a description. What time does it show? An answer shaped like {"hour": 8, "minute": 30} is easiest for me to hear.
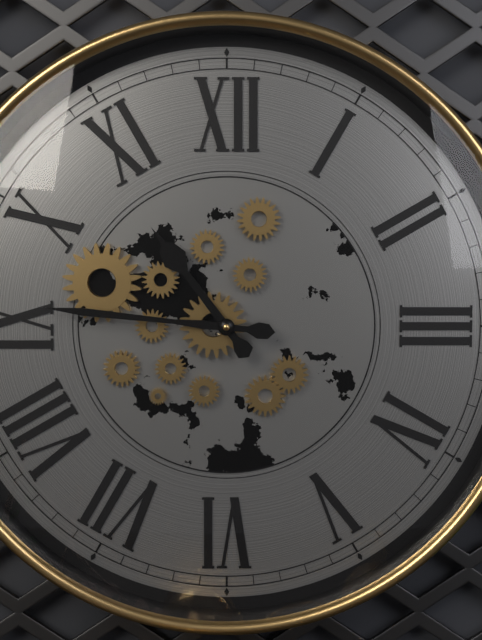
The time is {"hour": 10, "minute": 46}
